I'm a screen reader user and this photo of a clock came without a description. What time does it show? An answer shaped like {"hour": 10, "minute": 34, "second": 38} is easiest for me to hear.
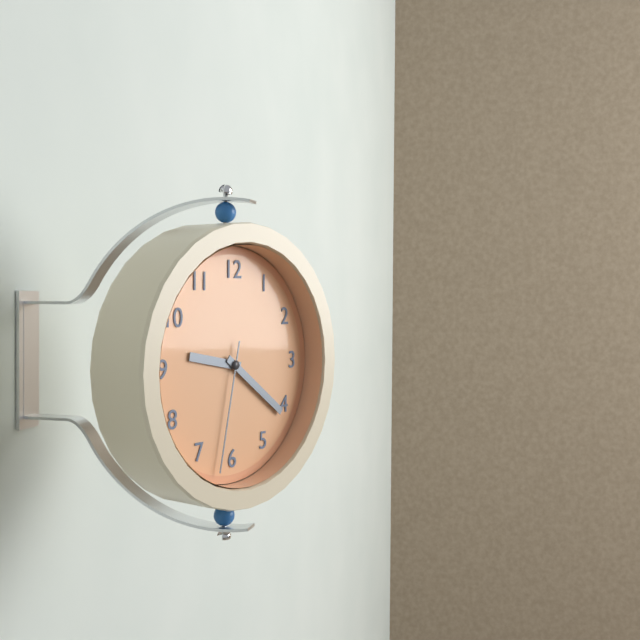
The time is {"hour": 9, "minute": 21, "second": 32}
